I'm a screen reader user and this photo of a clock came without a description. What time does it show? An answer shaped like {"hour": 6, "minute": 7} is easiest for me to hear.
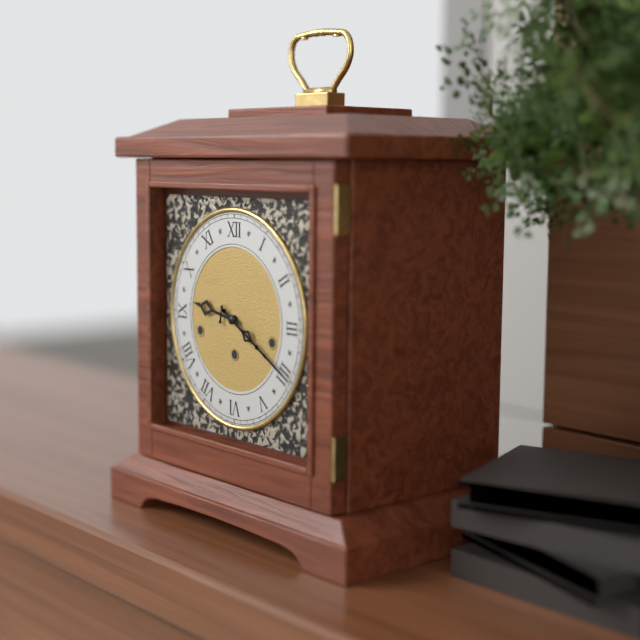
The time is {"hour": 9, "minute": 20}
